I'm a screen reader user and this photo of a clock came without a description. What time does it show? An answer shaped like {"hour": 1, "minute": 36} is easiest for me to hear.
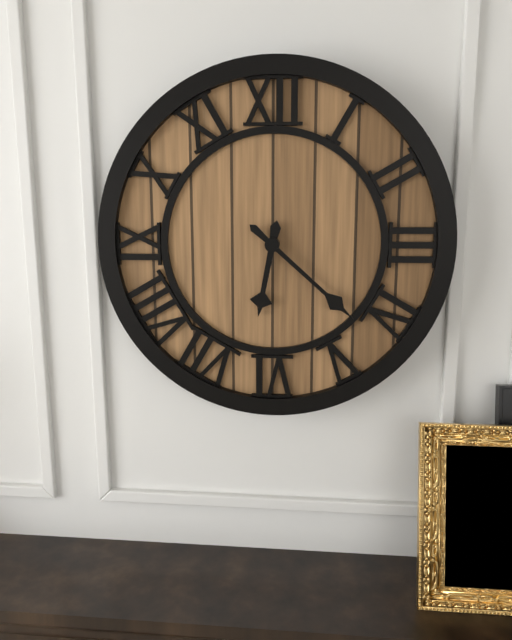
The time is {"hour": 6, "minute": 22}
